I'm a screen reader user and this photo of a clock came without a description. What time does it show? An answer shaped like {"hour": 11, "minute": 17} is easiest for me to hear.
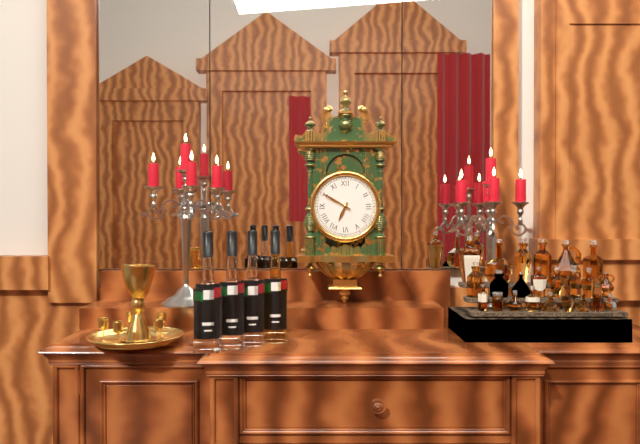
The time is {"hour": 6, "minute": 50}
